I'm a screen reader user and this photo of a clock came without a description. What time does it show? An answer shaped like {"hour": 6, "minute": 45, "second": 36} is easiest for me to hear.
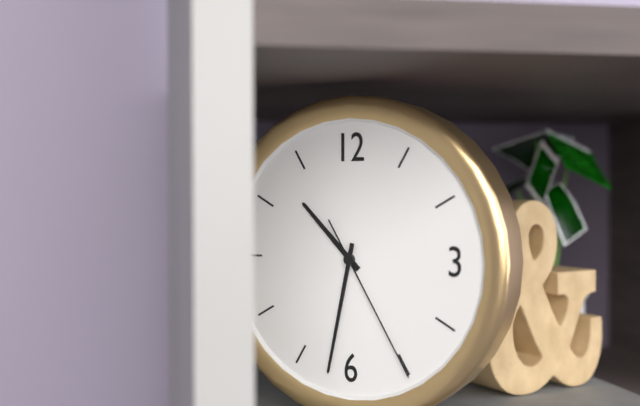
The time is {"hour": 10, "minute": 32, "second": 25}
